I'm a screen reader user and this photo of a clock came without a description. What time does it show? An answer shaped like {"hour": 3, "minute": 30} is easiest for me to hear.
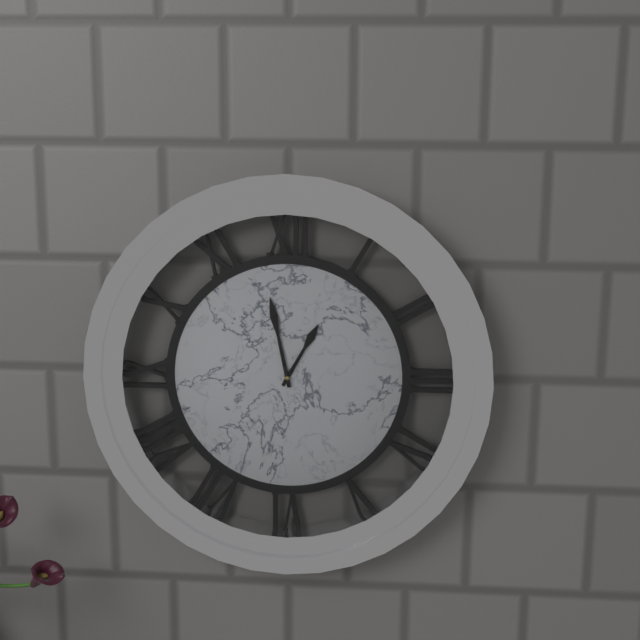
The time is {"hour": 12, "minute": 58}
